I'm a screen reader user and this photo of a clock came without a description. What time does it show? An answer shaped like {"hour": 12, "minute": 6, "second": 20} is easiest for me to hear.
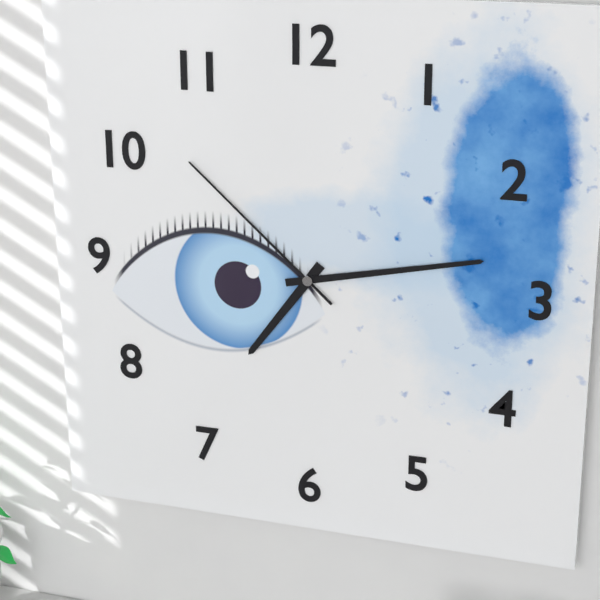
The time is {"hour": 7, "minute": 13, "second": 52}
